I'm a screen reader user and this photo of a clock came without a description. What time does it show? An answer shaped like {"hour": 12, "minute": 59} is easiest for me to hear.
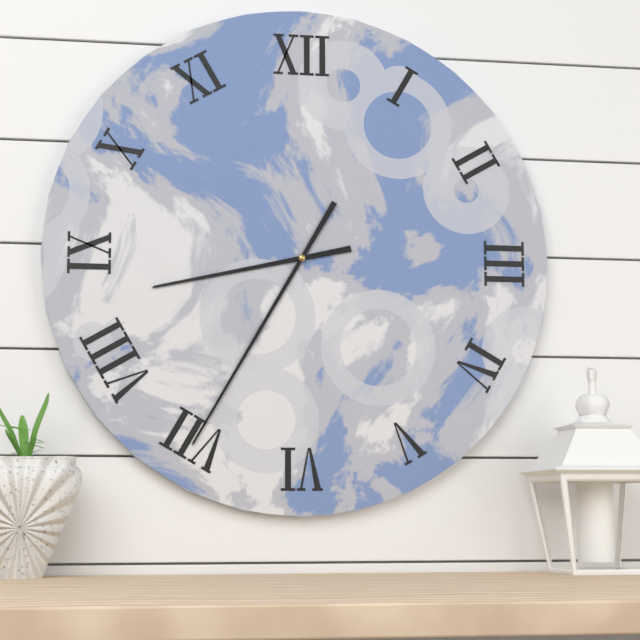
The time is {"hour": 8, "minute": 35}
